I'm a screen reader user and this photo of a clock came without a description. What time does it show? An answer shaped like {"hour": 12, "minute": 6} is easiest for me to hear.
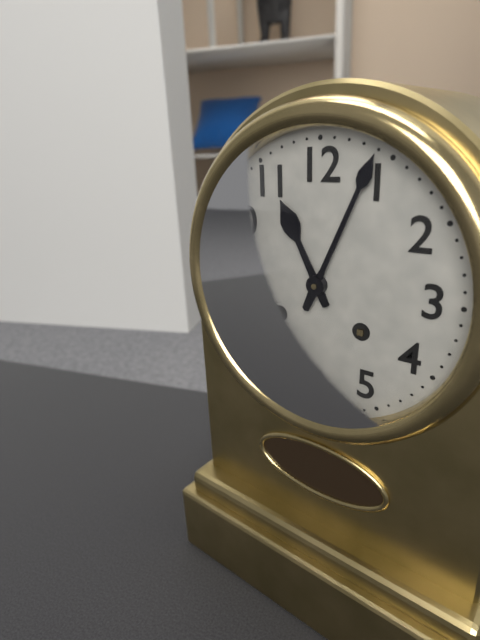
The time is {"hour": 11, "minute": 4}
